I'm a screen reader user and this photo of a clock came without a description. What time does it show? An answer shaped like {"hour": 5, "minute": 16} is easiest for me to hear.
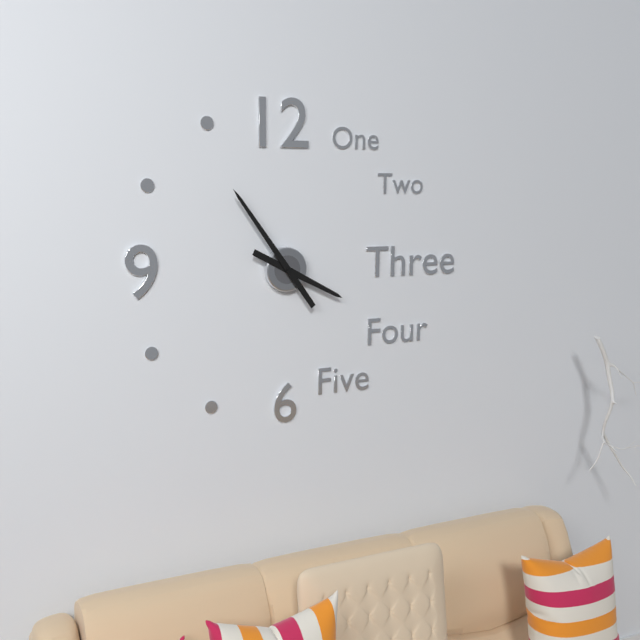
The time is {"hour": 3, "minute": 54}
